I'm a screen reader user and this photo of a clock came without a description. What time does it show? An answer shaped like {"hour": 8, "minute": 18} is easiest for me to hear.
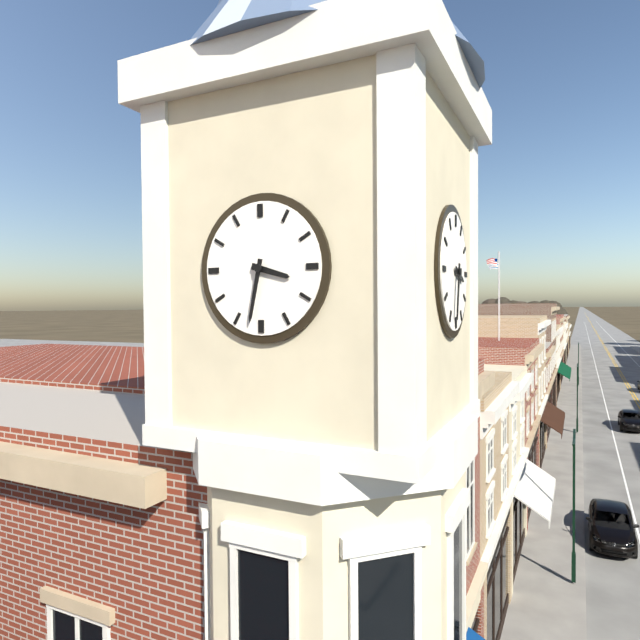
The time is {"hour": 3, "minute": 32}
